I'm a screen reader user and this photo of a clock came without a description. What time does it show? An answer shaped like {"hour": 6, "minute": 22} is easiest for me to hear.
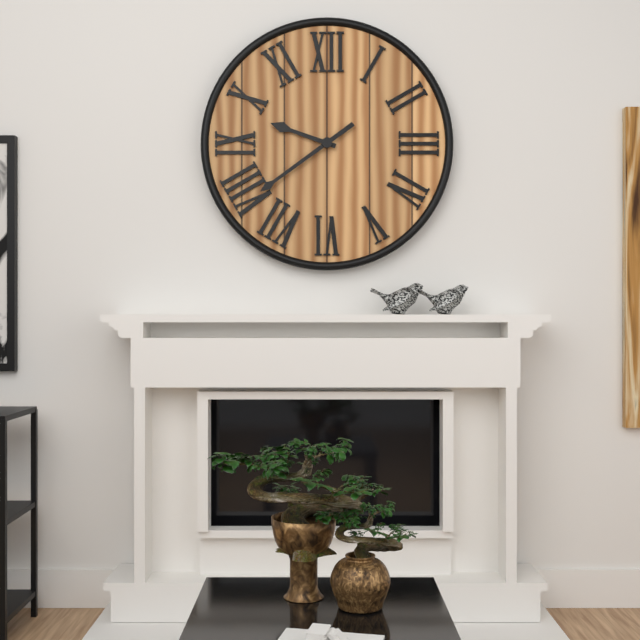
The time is {"hour": 9, "minute": 39}
